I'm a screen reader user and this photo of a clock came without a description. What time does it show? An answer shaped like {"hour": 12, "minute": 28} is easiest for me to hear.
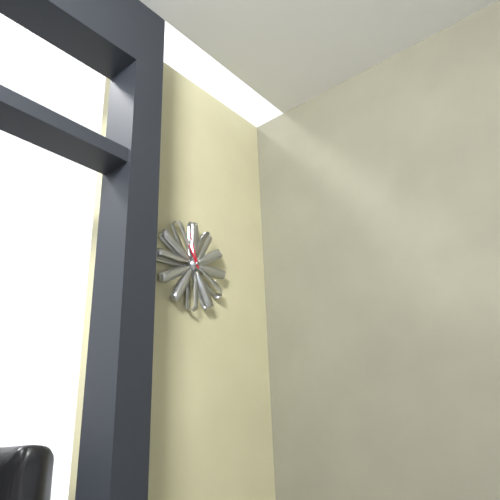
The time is {"hour": 10, "minute": 57}
